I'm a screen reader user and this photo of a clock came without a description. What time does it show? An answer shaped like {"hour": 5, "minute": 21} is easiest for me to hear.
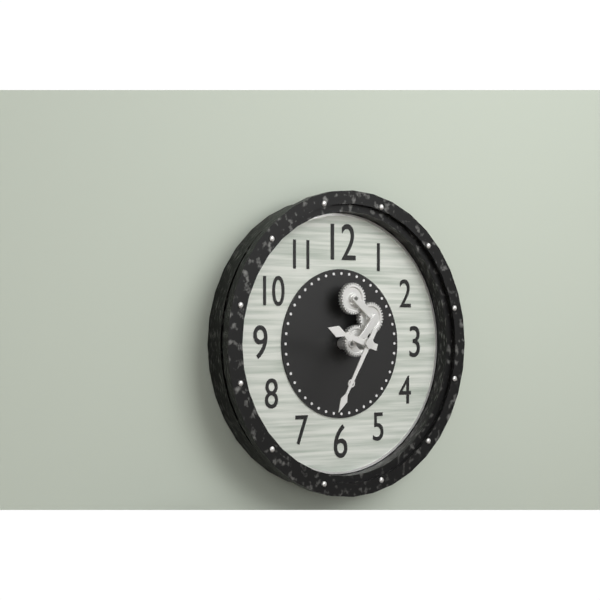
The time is {"hour": 9, "minute": 35}
